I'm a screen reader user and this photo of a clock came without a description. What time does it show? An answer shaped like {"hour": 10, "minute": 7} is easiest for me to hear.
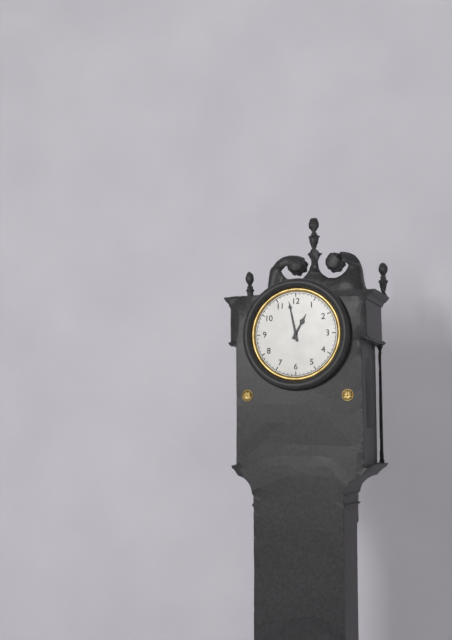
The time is {"hour": 12, "minute": 58}
